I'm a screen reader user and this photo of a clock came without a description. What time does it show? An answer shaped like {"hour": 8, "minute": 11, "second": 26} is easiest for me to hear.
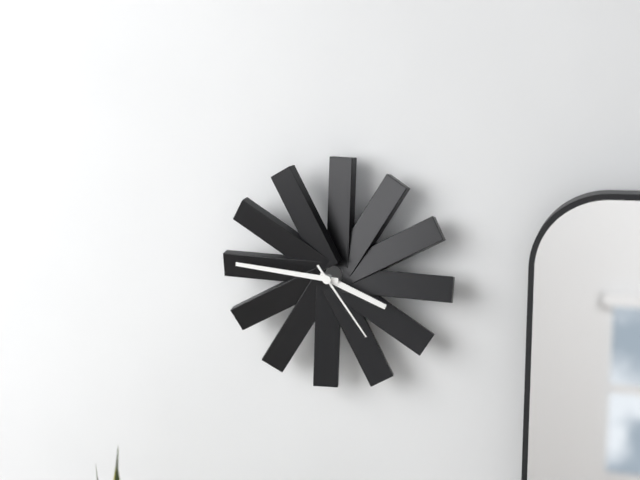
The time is {"hour": 3, "minute": 46, "second": 24}
